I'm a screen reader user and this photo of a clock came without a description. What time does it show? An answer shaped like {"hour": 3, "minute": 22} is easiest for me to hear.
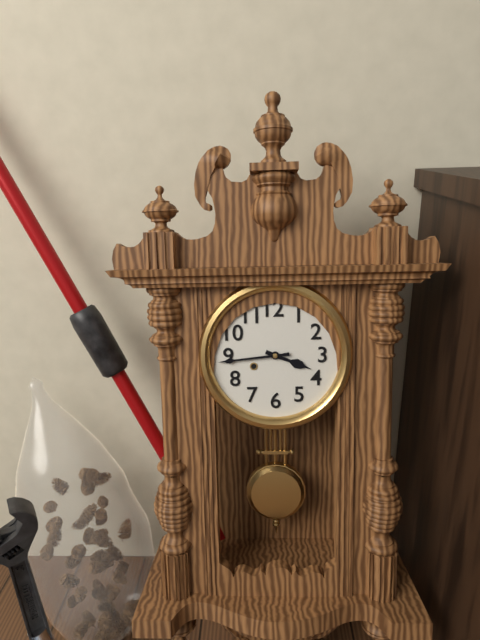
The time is {"hour": 3, "minute": 44}
